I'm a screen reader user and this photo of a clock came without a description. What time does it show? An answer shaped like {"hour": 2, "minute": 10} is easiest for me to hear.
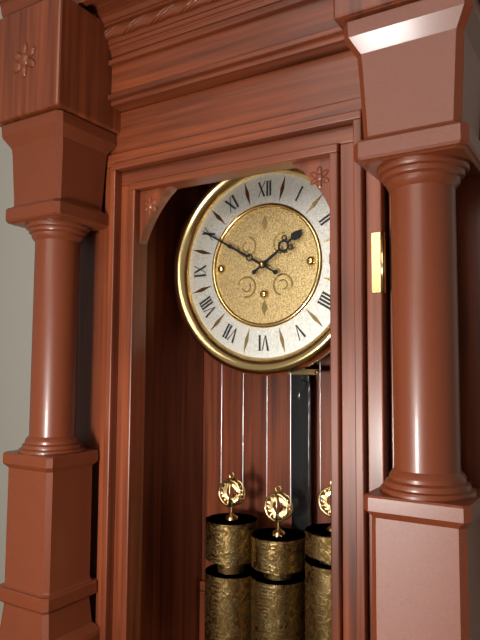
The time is {"hour": 1, "minute": 50}
